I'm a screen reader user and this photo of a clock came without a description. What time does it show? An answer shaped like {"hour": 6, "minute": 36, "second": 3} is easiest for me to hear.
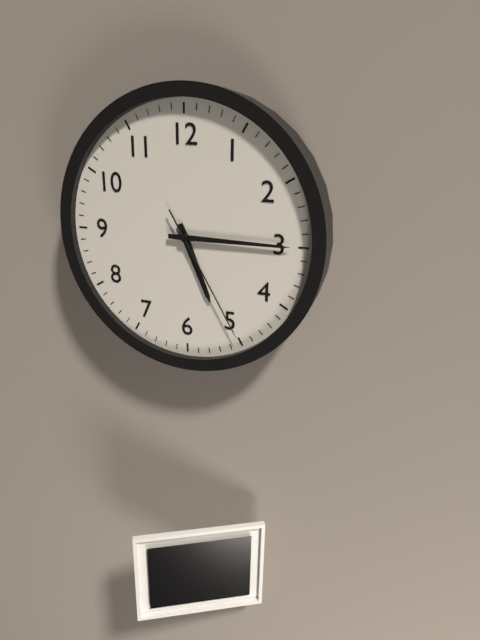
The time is {"hour": 5, "minute": 15, "second": 25}
